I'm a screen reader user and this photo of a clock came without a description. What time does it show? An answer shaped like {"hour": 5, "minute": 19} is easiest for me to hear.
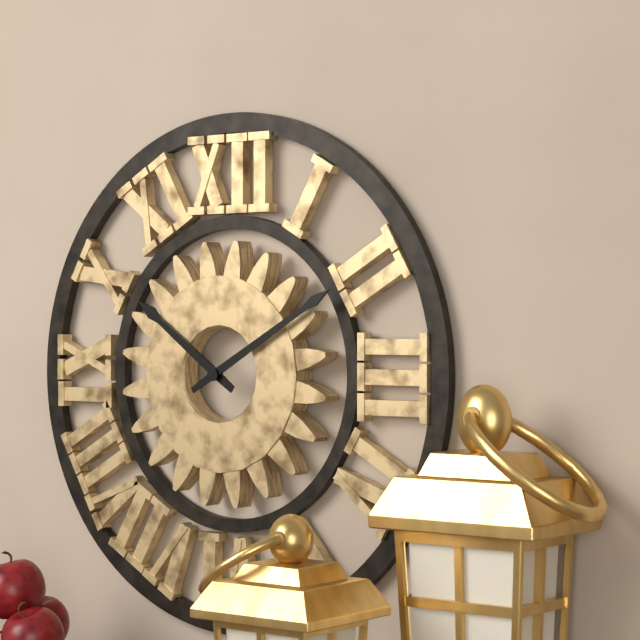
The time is {"hour": 10, "minute": 10}
